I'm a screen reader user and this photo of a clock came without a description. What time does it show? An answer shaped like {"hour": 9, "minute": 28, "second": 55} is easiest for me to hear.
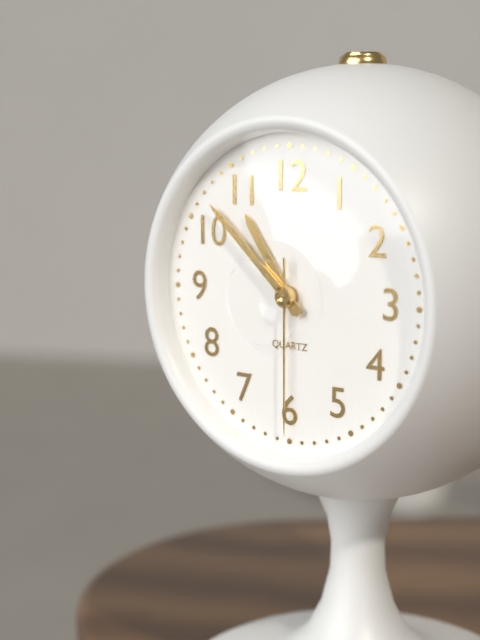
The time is {"hour": 10, "minute": 52, "second": 30}
